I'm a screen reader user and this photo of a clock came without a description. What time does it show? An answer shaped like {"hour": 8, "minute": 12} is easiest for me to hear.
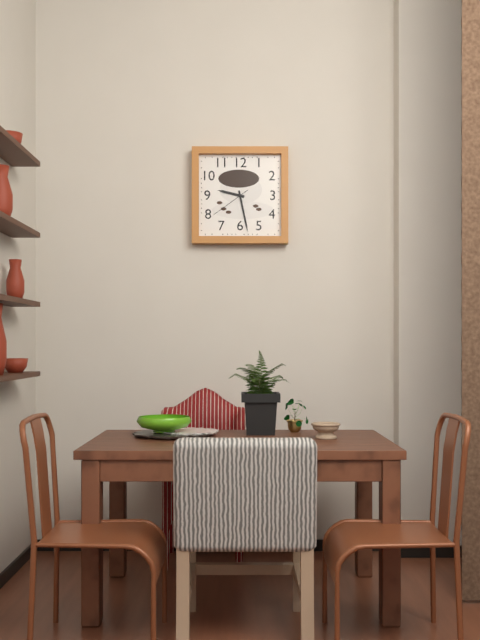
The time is {"hour": 9, "minute": 28}
